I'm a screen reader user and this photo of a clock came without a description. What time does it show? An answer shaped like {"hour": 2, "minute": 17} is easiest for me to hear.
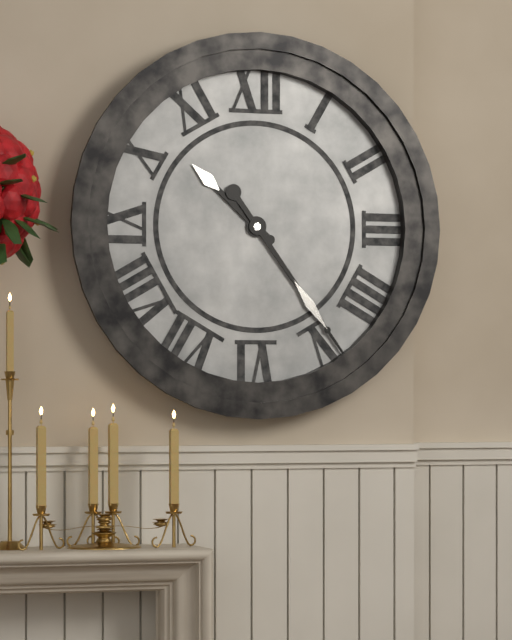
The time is {"hour": 10, "minute": 24}
